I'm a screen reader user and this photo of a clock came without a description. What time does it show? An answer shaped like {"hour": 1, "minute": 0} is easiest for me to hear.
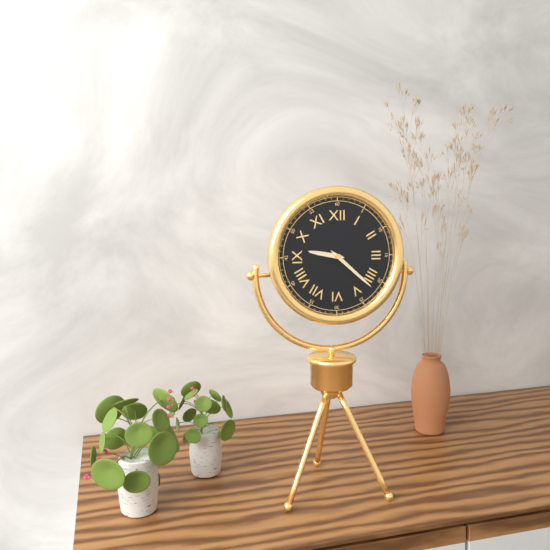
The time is {"hour": 9, "minute": 22}
